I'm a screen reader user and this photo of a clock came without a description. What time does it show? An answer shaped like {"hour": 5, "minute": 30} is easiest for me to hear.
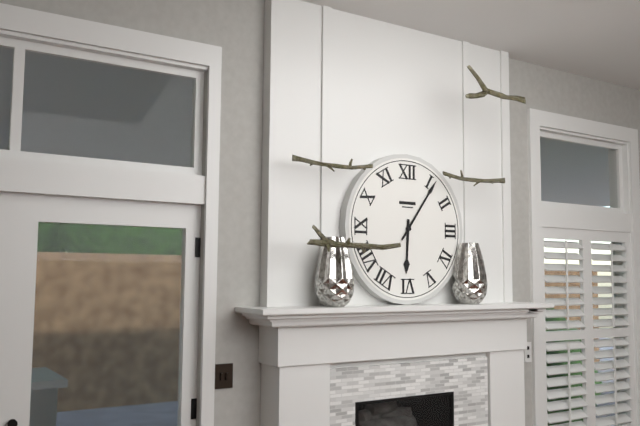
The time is {"hour": 6, "minute": 6}
